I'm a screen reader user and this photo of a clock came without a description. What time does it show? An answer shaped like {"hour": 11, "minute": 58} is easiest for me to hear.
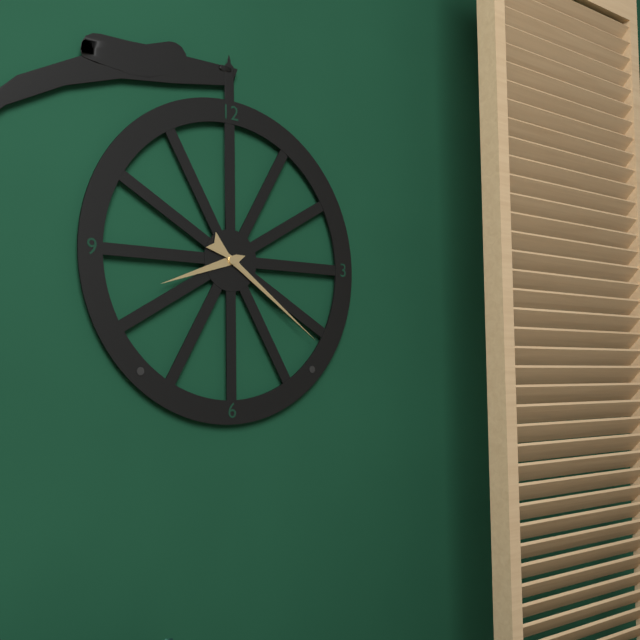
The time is {"hour": 8, "minute": 21}
